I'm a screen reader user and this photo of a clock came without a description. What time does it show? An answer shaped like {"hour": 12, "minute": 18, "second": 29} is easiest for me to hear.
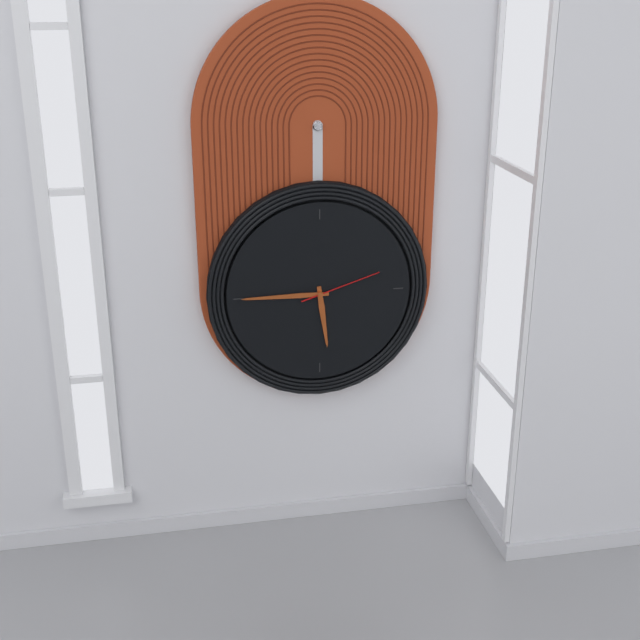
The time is {"hour": 5, "minute": 45, "second": 12}
